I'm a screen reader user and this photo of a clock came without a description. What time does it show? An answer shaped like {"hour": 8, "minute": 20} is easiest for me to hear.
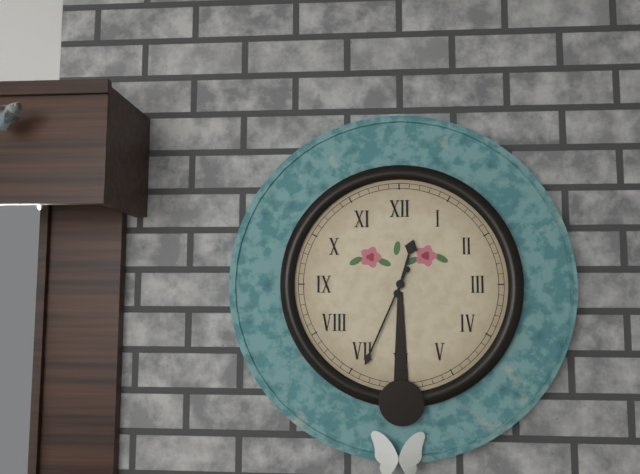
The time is {"hour": 12, "minute": 34}
